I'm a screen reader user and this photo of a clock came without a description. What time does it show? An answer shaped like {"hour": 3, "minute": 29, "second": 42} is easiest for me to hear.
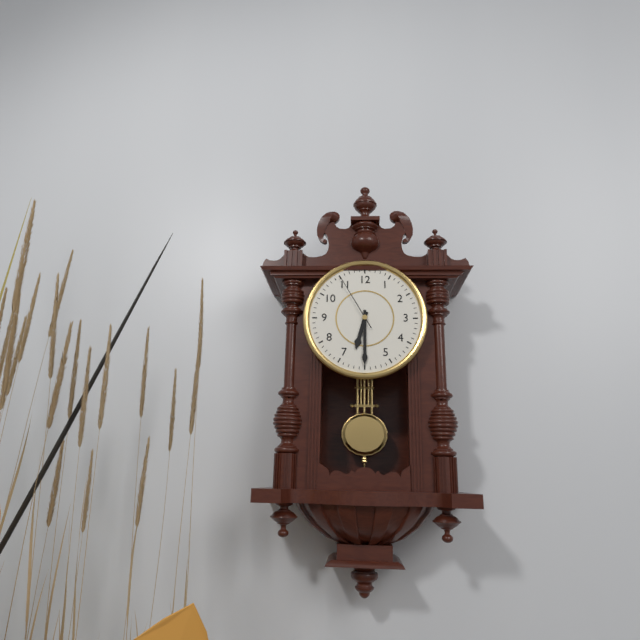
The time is {"hour": 6, "minute": 30, "second": 55}
